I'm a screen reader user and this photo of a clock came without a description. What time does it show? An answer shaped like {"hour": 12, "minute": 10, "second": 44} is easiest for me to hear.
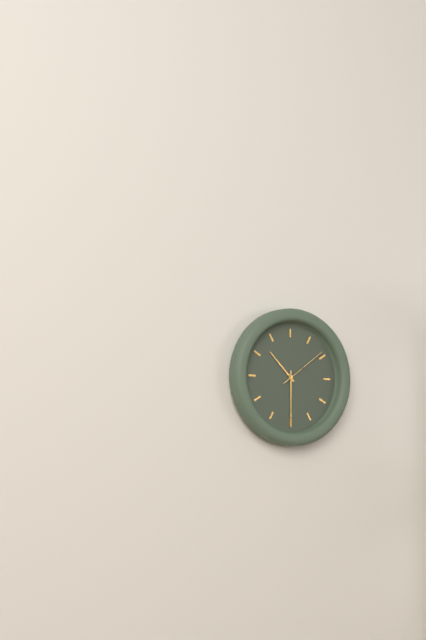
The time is {"hour": 10, "minute": 30, "second": 9}
